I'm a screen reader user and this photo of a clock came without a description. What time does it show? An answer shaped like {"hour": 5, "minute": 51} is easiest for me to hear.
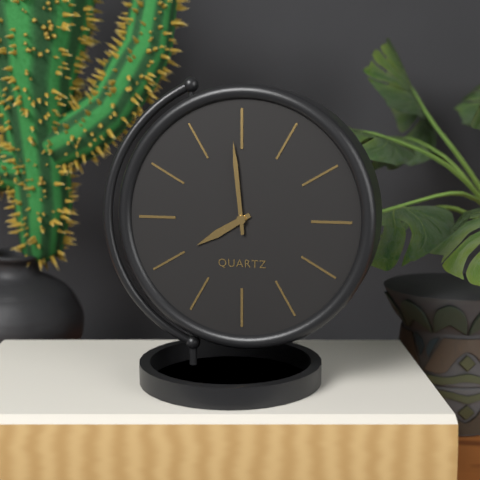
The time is {"hour": 7, "minute": 59}
